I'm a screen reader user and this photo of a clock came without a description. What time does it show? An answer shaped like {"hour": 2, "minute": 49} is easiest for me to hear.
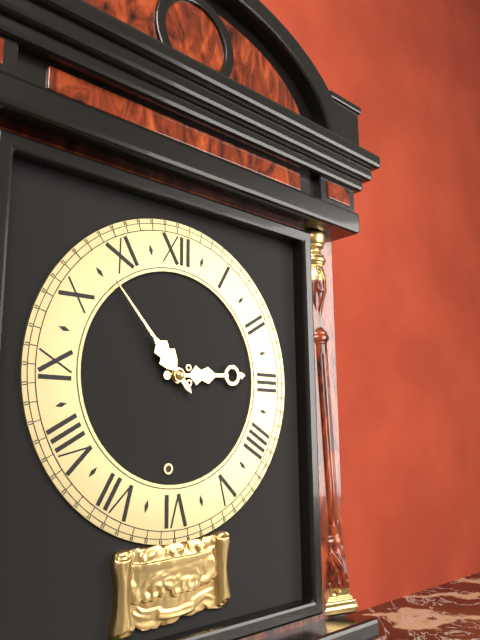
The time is {"hour": 2, "minute": 53}
